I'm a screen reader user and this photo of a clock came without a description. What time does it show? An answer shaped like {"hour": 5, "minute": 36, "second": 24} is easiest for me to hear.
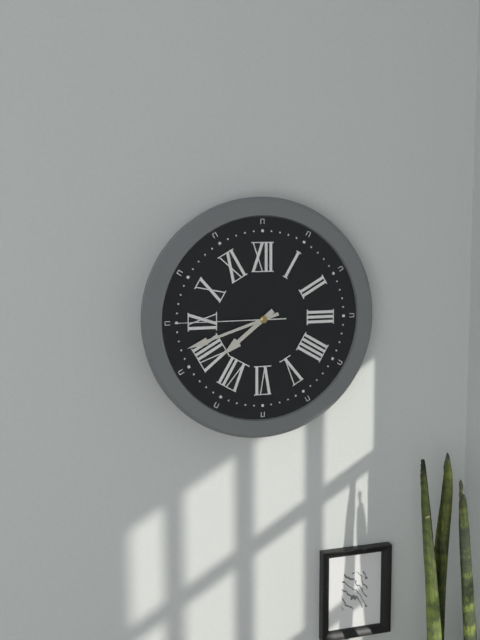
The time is {"hour": 7, "minute": 42, "second": 45}
